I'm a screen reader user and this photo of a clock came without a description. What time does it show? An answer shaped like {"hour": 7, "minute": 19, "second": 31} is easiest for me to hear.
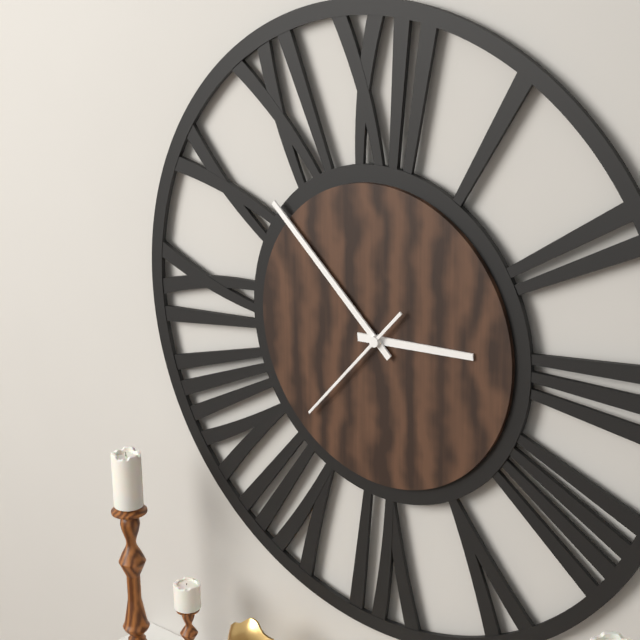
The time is {"hour": 2, "minute": 52, "second": 37}
